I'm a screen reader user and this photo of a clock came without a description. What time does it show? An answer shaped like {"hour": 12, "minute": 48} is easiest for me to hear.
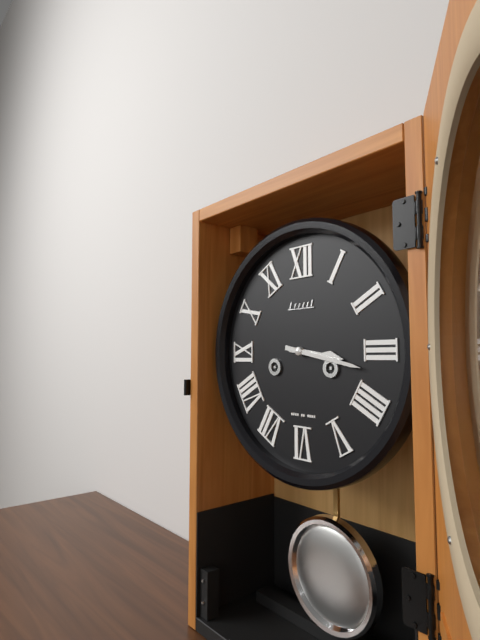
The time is {"hour": 3, "minute": 17}
